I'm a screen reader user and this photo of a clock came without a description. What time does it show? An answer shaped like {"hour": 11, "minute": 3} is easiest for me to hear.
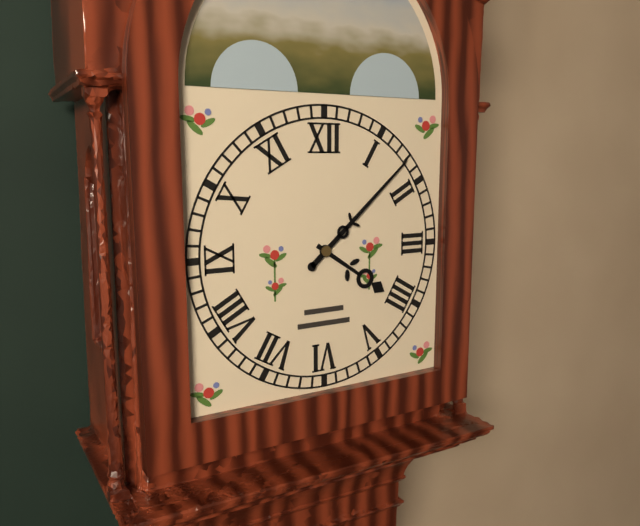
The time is {"hour": 4, "minute": 8}
